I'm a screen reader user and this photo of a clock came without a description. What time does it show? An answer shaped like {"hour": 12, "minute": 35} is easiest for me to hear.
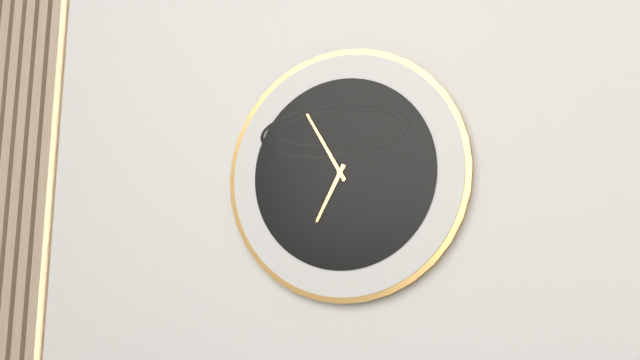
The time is {"hour": 6, "minute": 55}
